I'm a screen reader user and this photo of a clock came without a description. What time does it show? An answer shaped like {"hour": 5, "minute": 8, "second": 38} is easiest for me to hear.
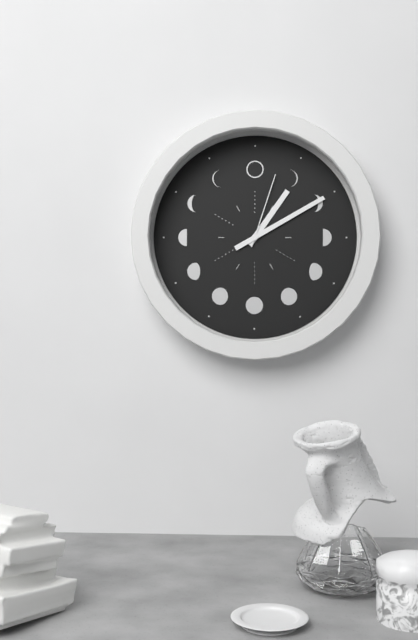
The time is {"hour": 1, "minute": 10, "second": 3}
